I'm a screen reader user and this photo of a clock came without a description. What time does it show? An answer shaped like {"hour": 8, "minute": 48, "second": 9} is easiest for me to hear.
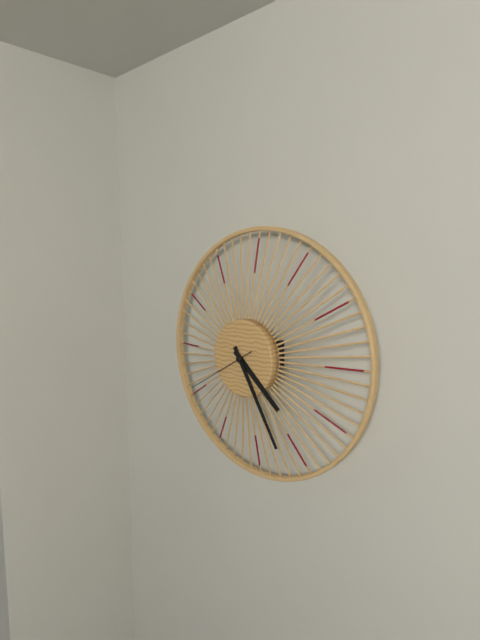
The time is {"hour": 4, "minute": 25, "second": 40}
